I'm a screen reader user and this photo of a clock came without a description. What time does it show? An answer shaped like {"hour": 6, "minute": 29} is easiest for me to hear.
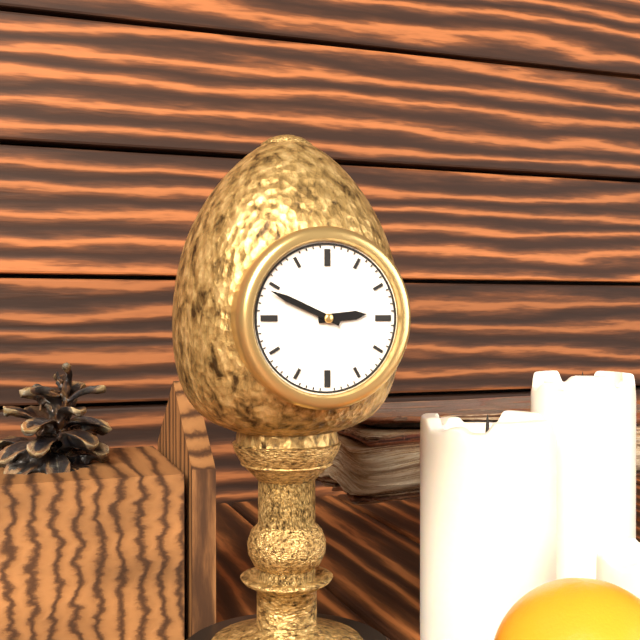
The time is {"hour": 2, "minute": 49}
